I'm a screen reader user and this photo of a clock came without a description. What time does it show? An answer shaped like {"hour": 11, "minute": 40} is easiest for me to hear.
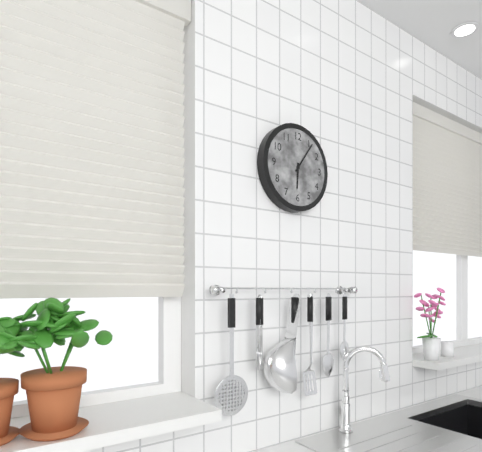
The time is {"hour": 6, "minute": 6}
